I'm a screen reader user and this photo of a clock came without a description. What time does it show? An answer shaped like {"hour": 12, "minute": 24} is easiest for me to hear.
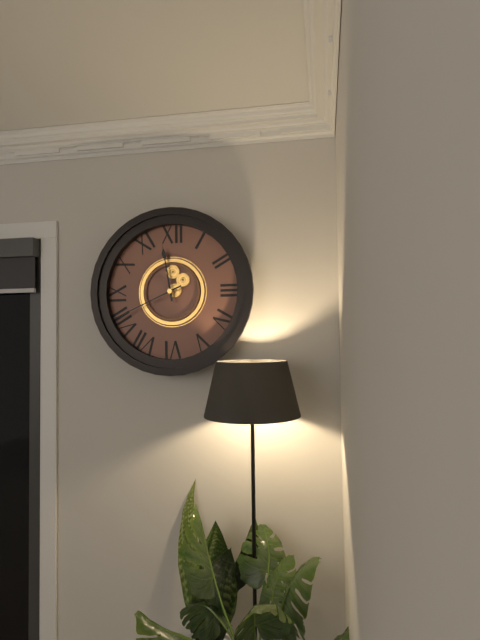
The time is {"hour": 11, "minute": 41}
